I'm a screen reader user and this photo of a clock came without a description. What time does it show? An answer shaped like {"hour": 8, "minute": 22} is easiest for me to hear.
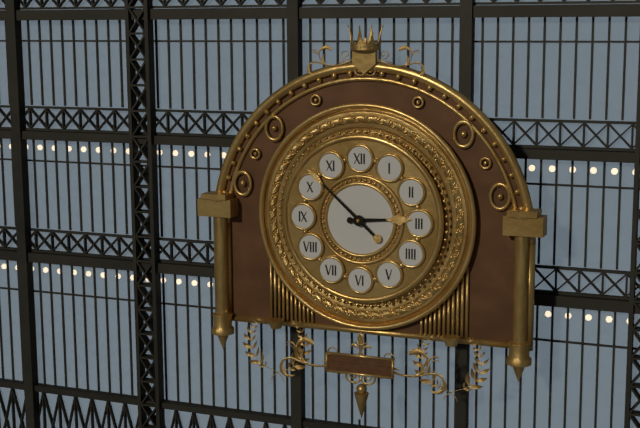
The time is {"hour": 2, "minute": 52}
